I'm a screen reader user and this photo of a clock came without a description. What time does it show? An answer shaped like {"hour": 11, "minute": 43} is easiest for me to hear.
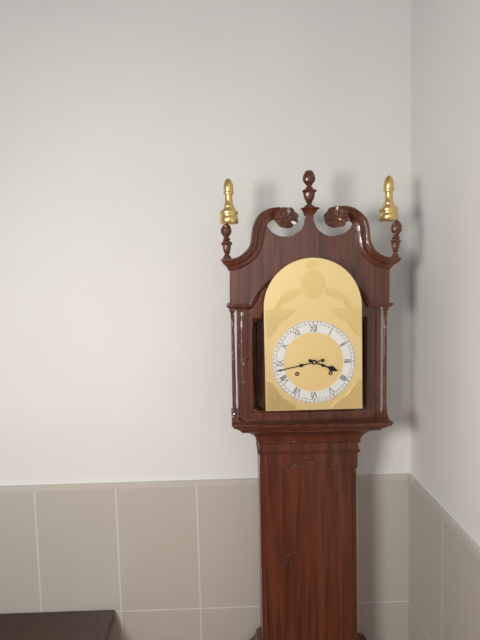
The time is {"hour": 3, "minute": 43}
